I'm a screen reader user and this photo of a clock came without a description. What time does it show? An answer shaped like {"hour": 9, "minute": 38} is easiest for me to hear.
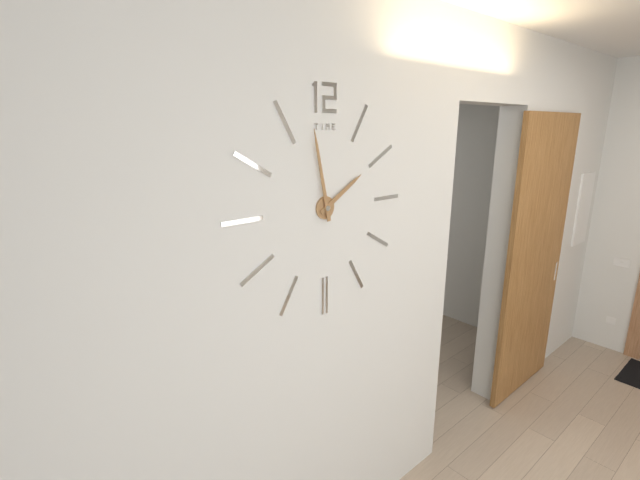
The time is {"hour": 1, "minute": 58}
